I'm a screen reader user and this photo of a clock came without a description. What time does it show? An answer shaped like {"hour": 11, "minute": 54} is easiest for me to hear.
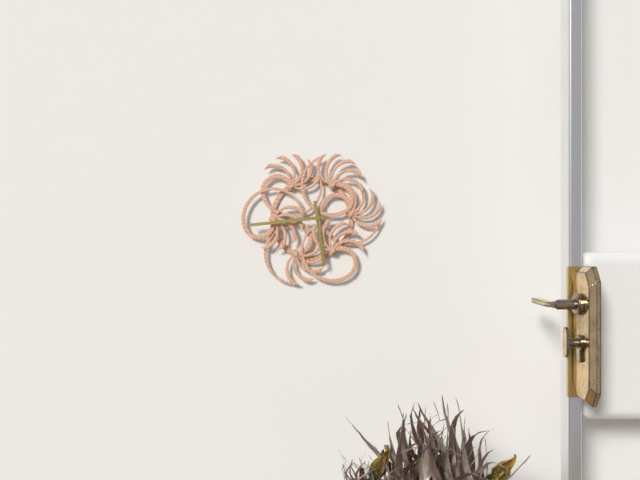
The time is {"hour": 5, "minute": 44}
